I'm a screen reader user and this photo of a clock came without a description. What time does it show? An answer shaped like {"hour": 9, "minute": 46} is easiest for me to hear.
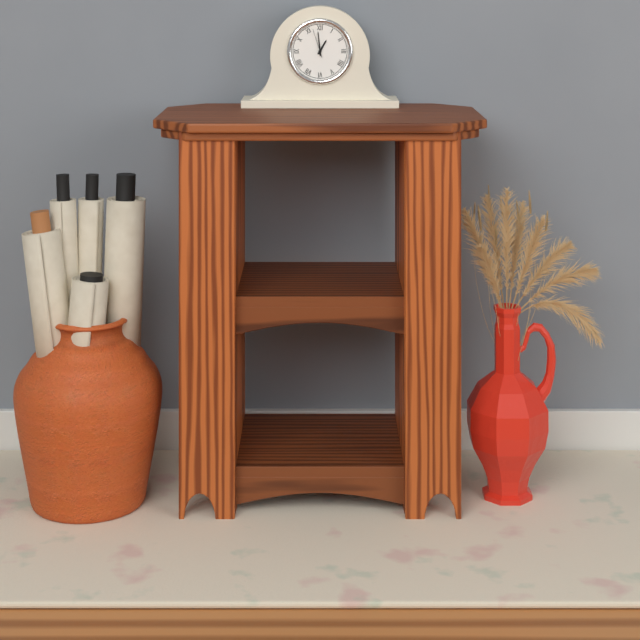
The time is {"hour": 12, "minute": 59}
